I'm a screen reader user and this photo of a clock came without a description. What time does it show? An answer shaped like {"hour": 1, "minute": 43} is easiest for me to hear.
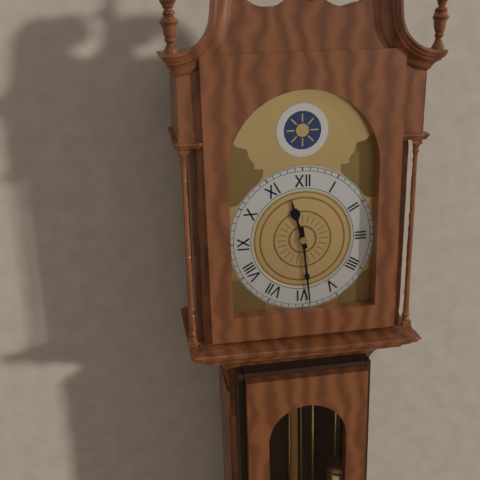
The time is {"hour": 11, "minute": 29}
